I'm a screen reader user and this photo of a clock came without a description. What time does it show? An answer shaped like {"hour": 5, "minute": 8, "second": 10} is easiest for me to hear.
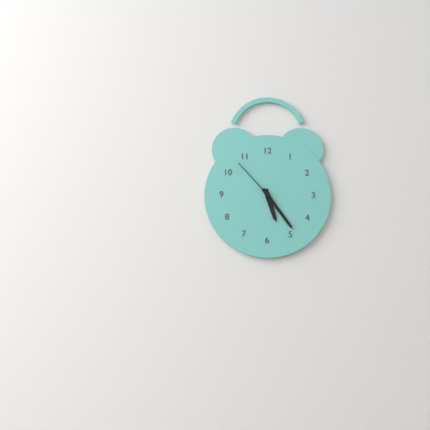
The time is {"hour": 5, "minute": 24, "second": 53}
